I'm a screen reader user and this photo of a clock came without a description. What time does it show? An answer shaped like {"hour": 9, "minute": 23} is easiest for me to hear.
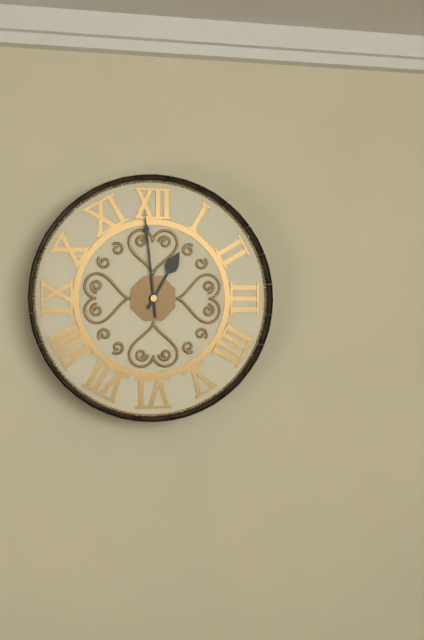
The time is {"hour": 12, "minute": 59}
